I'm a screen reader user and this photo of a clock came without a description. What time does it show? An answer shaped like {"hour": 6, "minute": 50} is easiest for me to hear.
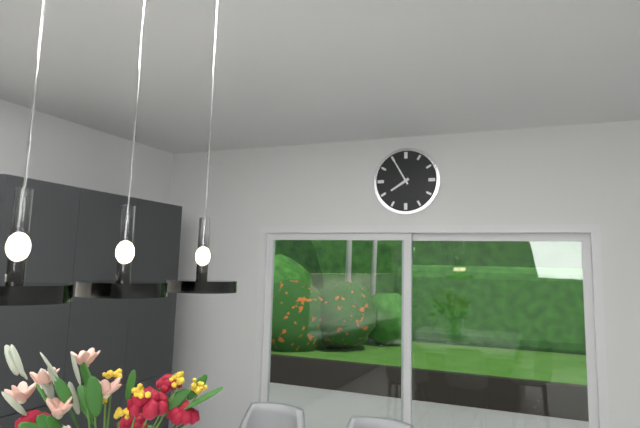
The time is {"hour": 7, "minute": 55}
